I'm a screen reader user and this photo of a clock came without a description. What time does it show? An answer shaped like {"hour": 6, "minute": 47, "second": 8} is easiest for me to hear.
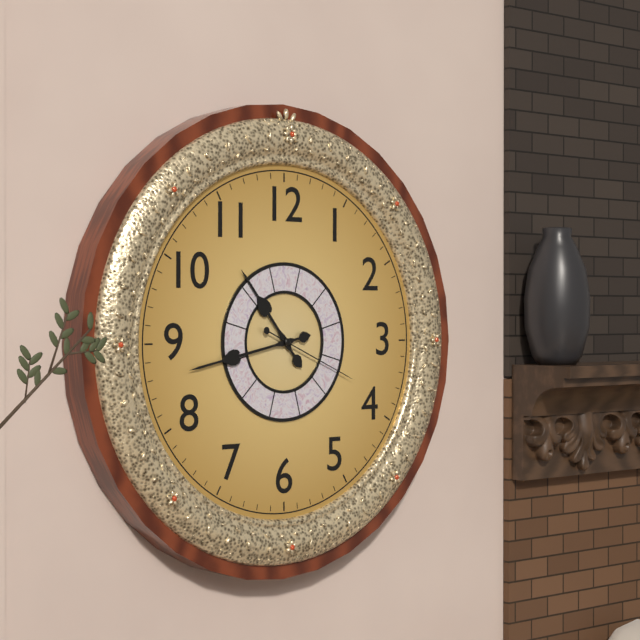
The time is {"hour": 10, "minute": 43, "second": 19}
